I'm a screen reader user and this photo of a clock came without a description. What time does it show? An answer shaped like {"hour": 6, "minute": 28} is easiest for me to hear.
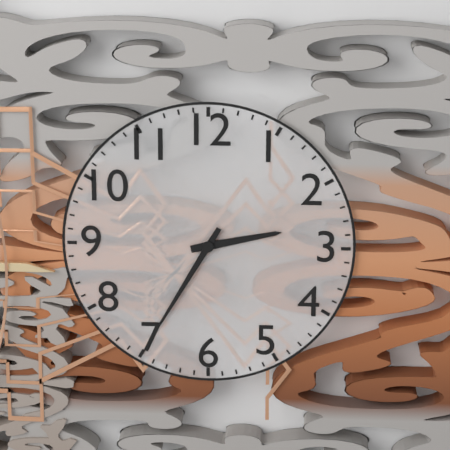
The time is {"hour": 2, "minute": 35}
